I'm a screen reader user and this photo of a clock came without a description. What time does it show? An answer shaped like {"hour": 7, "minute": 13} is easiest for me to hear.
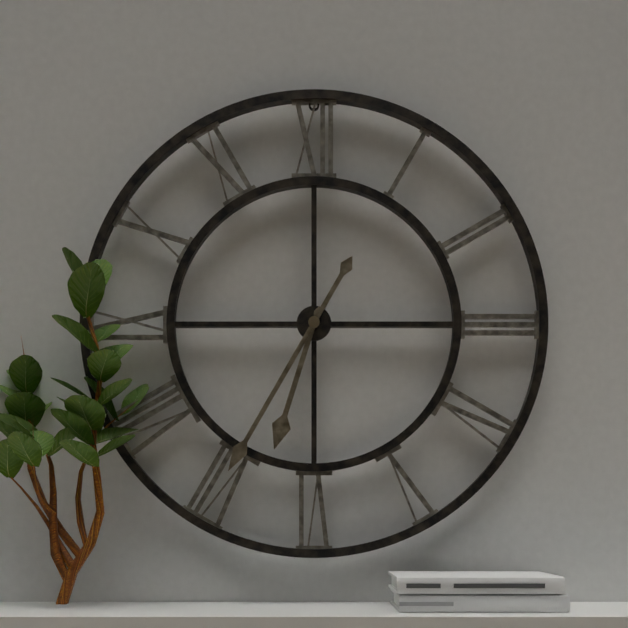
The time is {"hour": 6, "minute": 35}
